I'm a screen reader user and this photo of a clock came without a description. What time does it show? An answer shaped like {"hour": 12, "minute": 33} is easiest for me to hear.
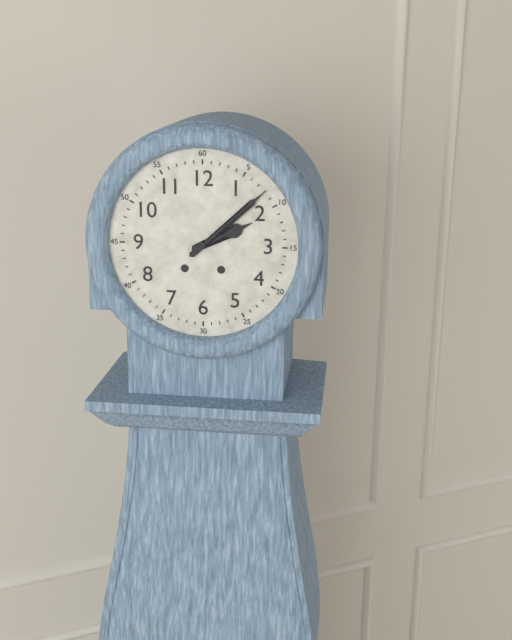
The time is {"hour": 2, "minute": 8}
